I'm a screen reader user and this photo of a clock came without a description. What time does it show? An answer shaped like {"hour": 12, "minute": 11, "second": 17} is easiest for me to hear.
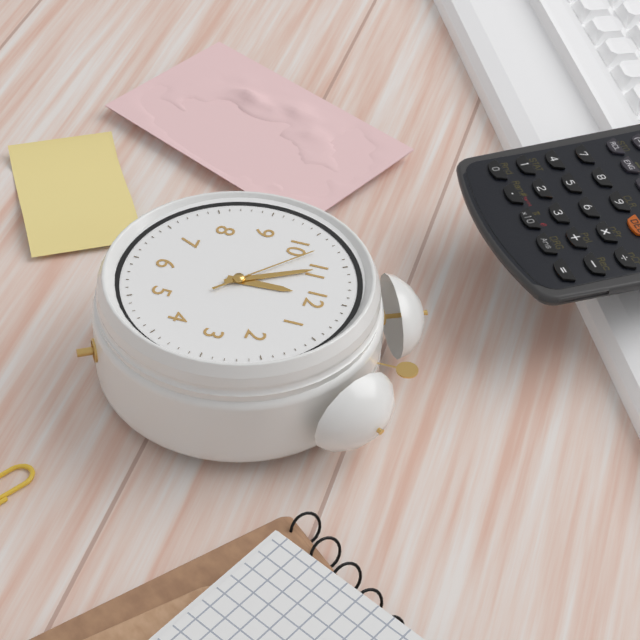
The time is {"hour": 11, "minute": 55, "second": 52}
